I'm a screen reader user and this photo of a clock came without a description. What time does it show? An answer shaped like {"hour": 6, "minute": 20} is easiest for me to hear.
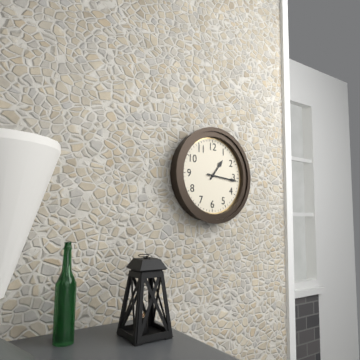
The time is {"hour": 1, "minute": 16}
